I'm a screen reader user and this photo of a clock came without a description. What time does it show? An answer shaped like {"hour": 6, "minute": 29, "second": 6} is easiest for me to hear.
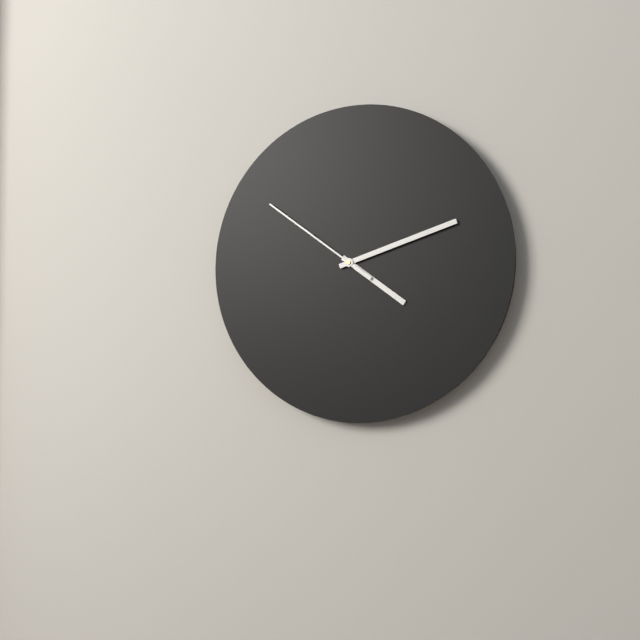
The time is {"hour": 4, "minute": 12, "second": 51}
